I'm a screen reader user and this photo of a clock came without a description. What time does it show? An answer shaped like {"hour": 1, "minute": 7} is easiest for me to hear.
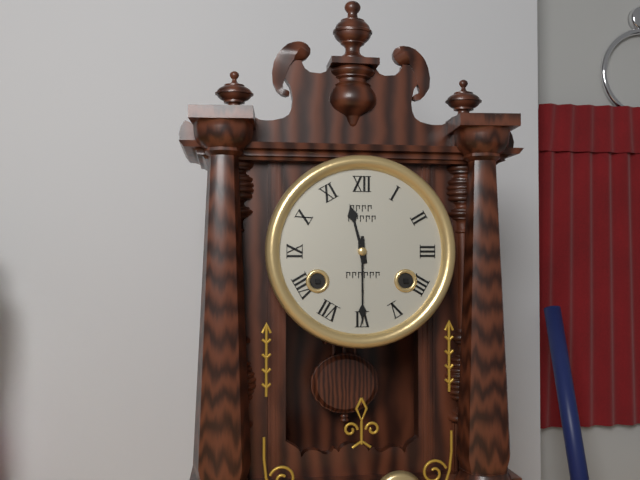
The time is {"hour": 11, "minute": 30}
